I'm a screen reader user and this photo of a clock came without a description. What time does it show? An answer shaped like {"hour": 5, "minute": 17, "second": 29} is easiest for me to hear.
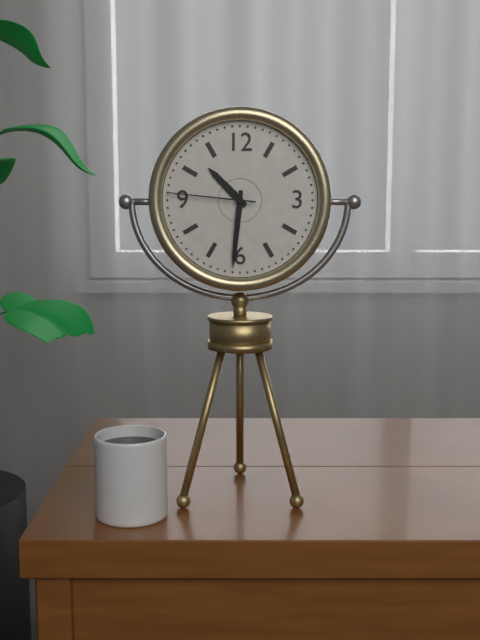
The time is {"hour": 10, "minute": 31, "second": 46}
